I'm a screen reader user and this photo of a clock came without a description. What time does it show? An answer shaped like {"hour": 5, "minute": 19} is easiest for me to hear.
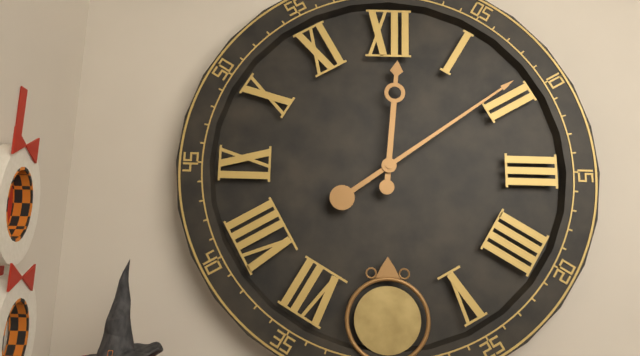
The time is {"hour": 12, "minute": 9}
